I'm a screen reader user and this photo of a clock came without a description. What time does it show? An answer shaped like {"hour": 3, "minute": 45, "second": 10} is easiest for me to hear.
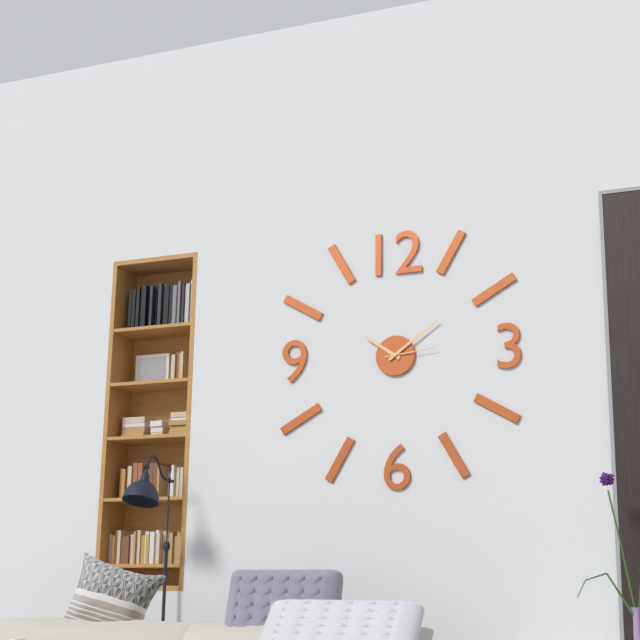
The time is {"hour": 10, "minute": 9, "second": 14}
